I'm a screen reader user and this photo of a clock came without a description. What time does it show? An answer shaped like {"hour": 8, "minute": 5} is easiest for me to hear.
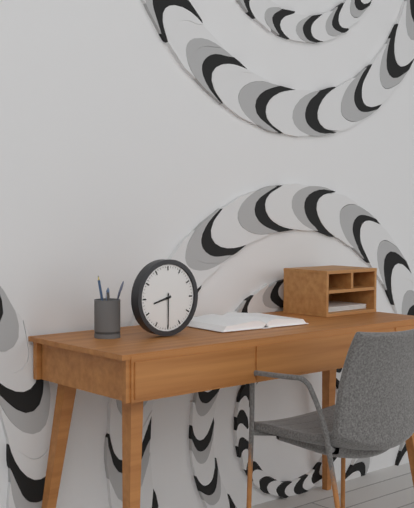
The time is {"hour": 8, "minute": 30}
